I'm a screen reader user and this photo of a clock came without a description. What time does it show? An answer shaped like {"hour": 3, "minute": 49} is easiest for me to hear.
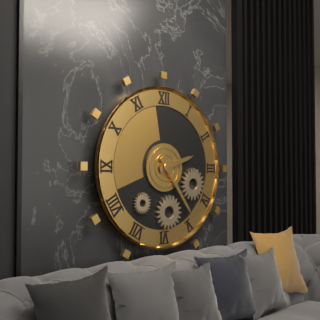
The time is {"hour": 2, "minute": 24}
